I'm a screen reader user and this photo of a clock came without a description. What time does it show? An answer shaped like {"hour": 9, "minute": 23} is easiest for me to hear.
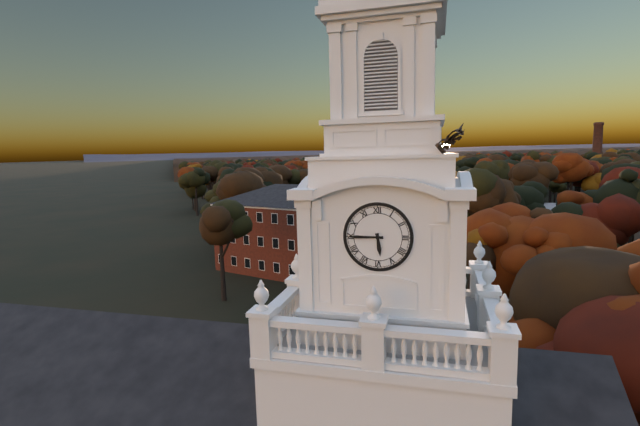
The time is {"hour": 5, "minute": 45}
